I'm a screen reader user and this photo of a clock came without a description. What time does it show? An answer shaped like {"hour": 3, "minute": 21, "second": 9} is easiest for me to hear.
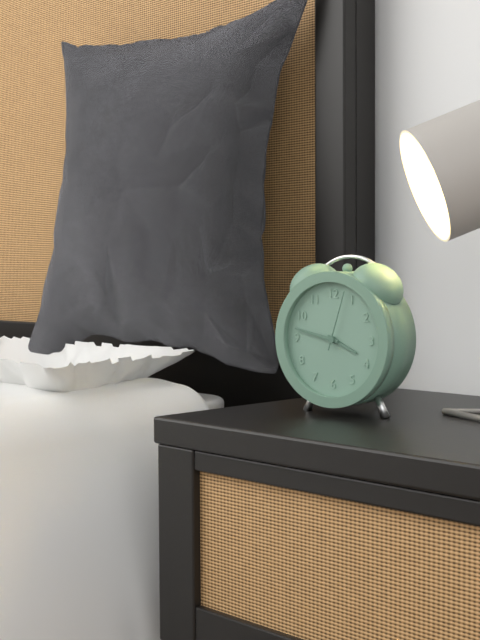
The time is {"hour": 3, "minute": 47, "second": 3}
